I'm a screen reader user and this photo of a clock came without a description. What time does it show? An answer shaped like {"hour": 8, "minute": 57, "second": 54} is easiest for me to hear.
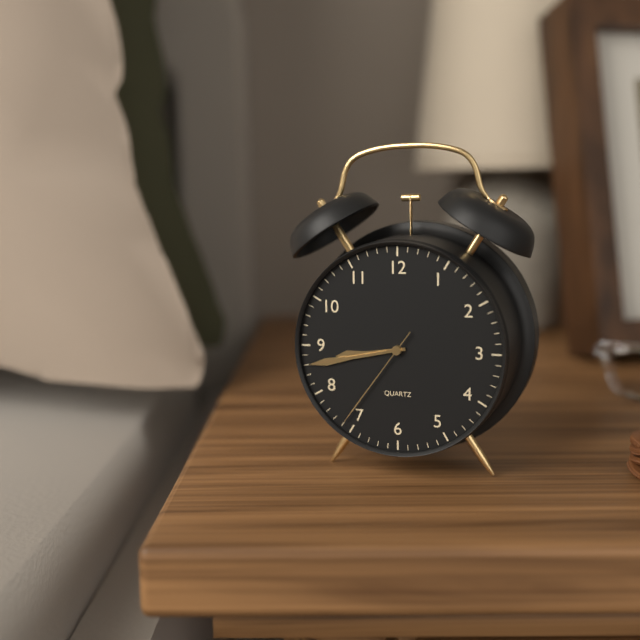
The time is {"hour": 8, "minute": 43, "second": 36}
